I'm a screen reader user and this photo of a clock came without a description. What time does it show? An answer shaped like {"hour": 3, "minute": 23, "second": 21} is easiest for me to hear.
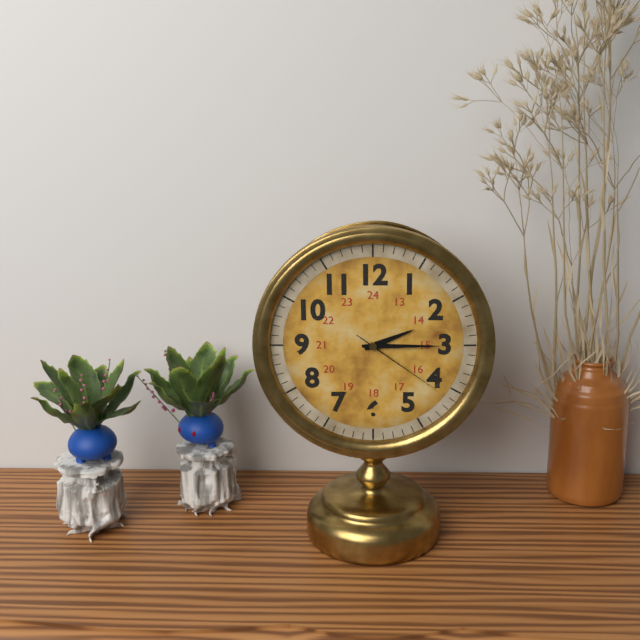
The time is {"hour": 2, "minute": 15, "second": 21}
